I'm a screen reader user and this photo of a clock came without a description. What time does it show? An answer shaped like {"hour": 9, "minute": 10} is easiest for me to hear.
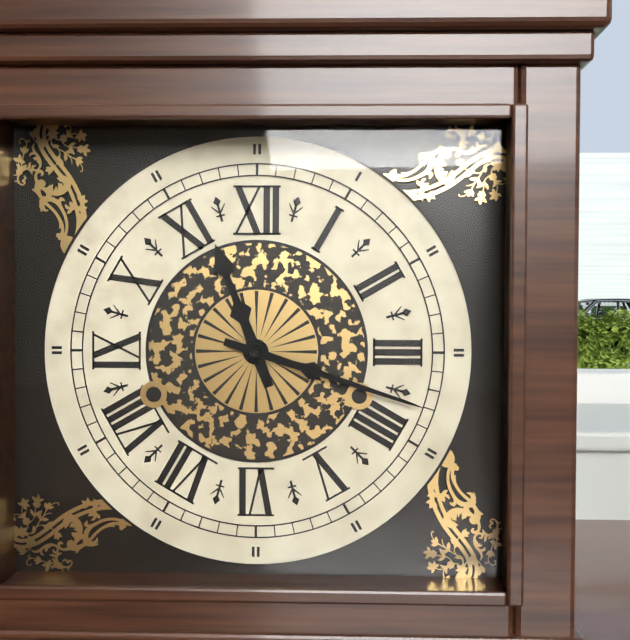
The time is {"hour": 11, "minute": 18}
